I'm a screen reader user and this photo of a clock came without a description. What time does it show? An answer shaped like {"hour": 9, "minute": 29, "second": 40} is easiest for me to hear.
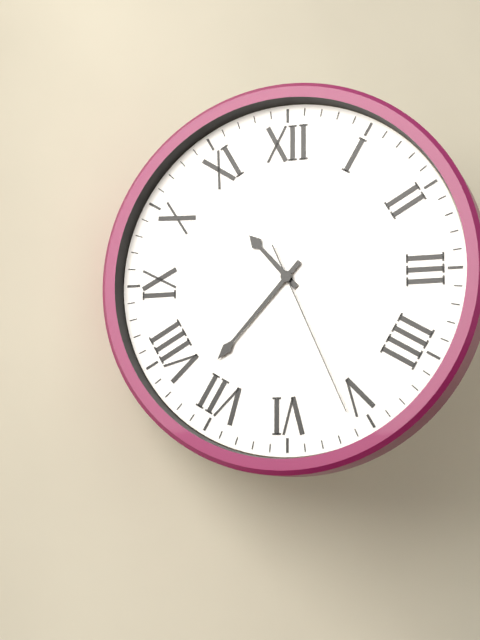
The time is {"hour": 10, "minute": 37, "second": 26}
